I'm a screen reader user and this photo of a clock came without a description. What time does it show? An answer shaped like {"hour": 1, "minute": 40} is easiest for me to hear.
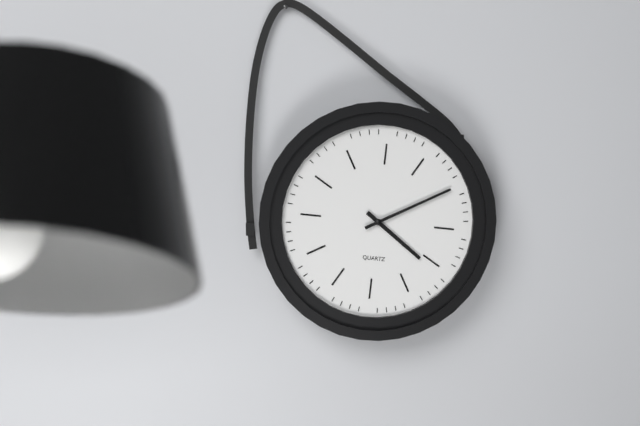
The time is {"hour": 4, "minute": 10}
